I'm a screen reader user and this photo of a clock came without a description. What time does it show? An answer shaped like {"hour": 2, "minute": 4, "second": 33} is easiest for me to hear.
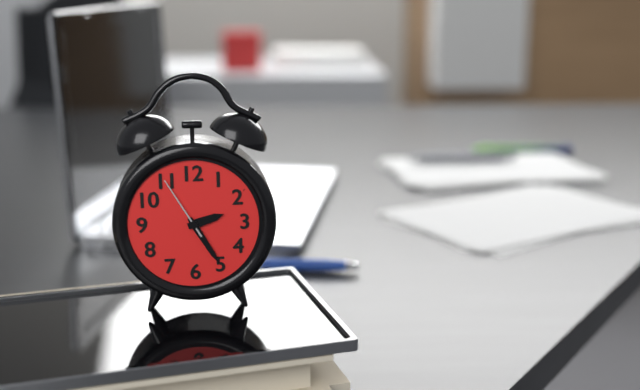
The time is {"hour": 2, "minute": 25, "second": 55}
